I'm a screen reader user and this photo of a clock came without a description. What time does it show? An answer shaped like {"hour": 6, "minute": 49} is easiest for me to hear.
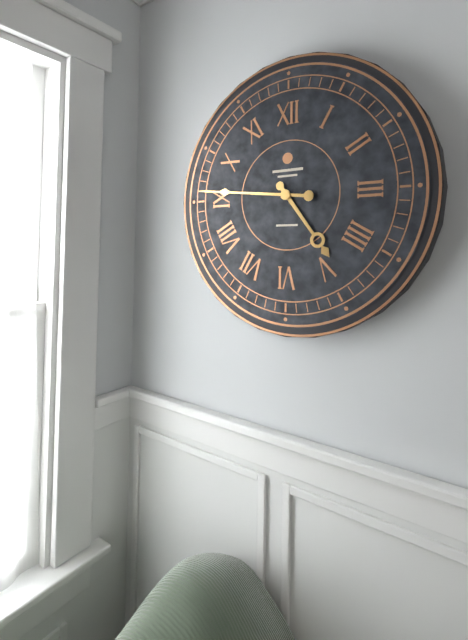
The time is {"hour": 4, "minute": 46}
